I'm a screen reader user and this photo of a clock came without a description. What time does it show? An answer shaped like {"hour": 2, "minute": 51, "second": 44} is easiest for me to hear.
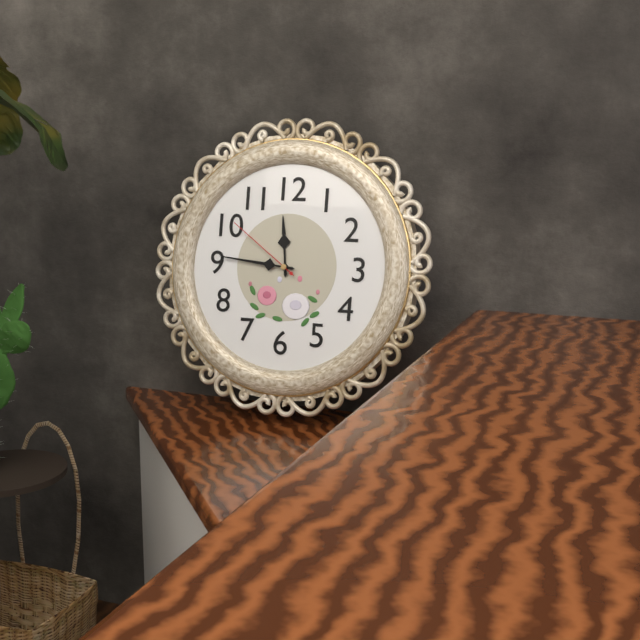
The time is {"hour": 11, "minute": 46, "second": 51}
